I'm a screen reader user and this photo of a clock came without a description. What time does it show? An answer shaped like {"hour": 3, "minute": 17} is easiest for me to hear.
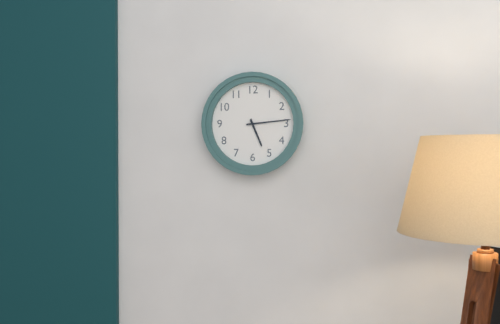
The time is {"hour": 5, "minute": 14}
